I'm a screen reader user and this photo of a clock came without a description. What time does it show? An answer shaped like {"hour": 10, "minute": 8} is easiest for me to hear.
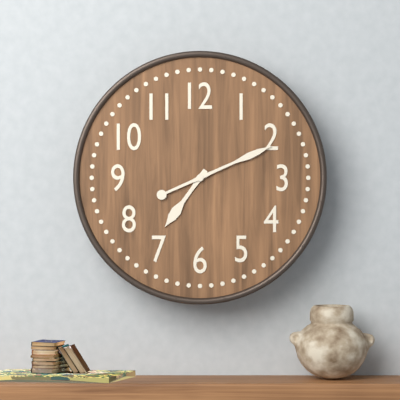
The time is {"hour": 7, "minute": 11}
